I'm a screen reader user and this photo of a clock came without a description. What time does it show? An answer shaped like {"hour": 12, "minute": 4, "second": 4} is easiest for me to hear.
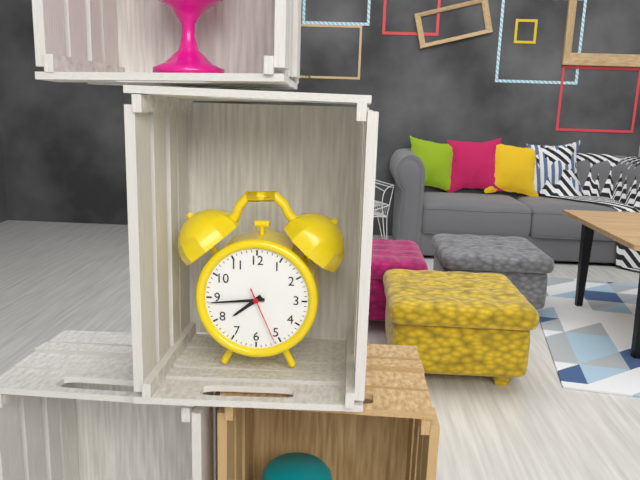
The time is {"hour": 7, "minute": 44, "second": 26}
